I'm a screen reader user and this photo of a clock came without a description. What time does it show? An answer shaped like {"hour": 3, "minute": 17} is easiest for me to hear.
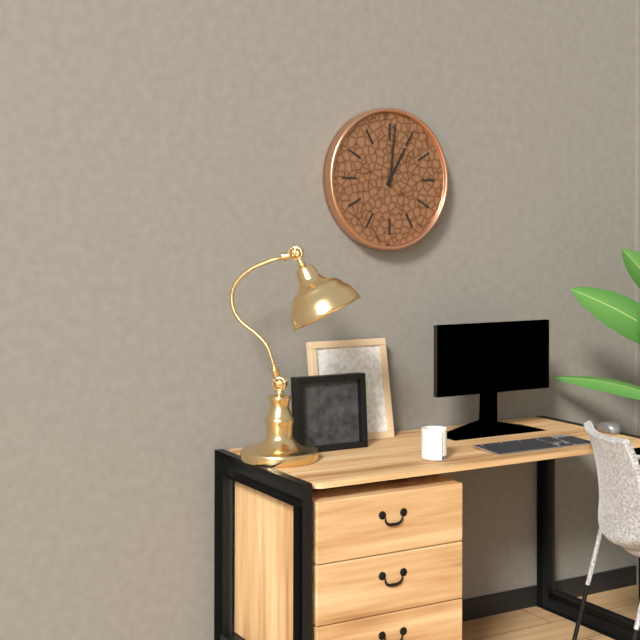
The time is {"hour": 1, "minute": 1}
